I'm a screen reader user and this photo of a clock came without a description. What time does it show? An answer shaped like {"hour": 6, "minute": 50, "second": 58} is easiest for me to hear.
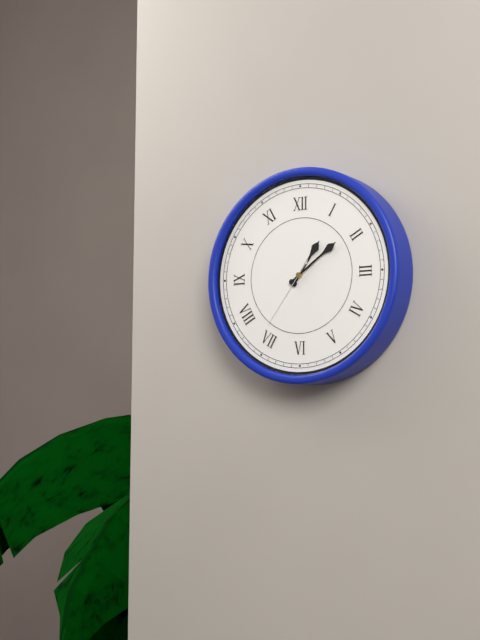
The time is {"hour": 1, "minute": 9, "second": 36}
